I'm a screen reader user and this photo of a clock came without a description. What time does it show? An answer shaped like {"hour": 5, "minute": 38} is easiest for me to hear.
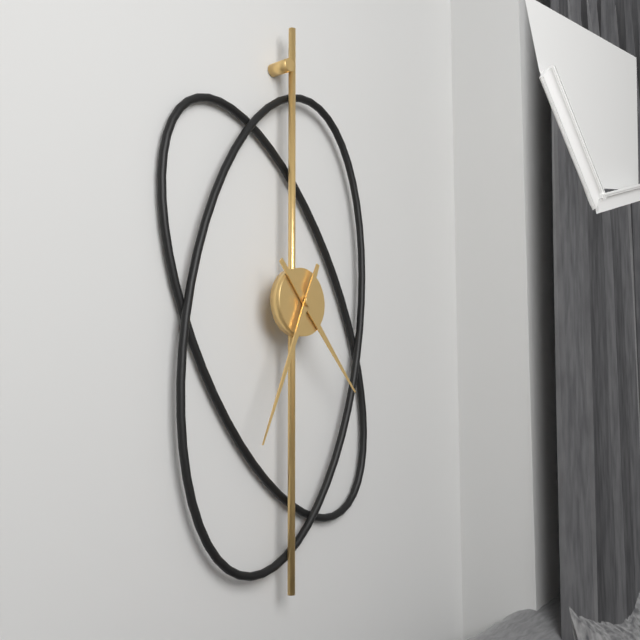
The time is {"hour": 4, "minute": 34}
